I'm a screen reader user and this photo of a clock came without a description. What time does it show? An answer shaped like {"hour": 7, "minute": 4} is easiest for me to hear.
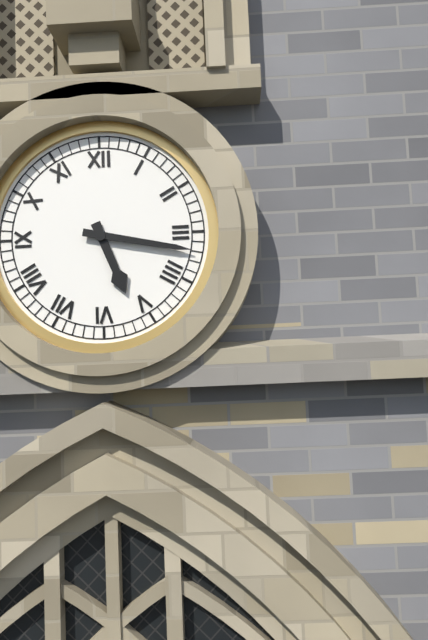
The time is {"hour": 5, "minute": 17}
